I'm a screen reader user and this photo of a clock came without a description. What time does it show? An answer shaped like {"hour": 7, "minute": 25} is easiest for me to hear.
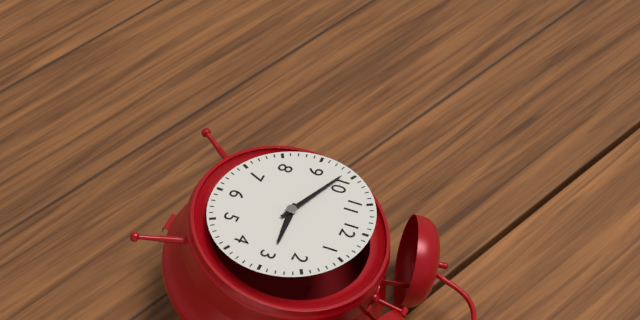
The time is {"hour": 2, "minute": 49}
